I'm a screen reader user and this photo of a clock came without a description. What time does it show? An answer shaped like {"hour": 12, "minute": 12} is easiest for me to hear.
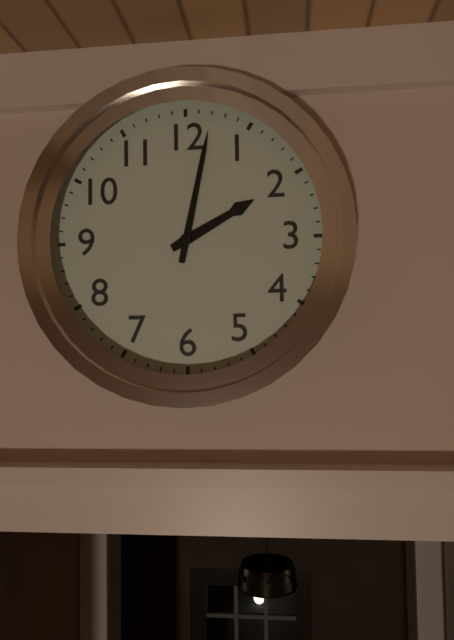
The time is {"hour": 2, "minute": 2}
